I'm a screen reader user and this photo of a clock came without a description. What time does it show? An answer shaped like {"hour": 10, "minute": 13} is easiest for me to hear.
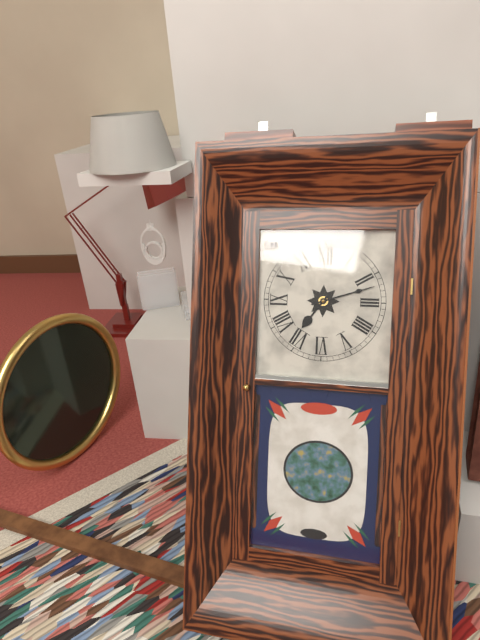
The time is {"hour": 7, "minute": 12}
